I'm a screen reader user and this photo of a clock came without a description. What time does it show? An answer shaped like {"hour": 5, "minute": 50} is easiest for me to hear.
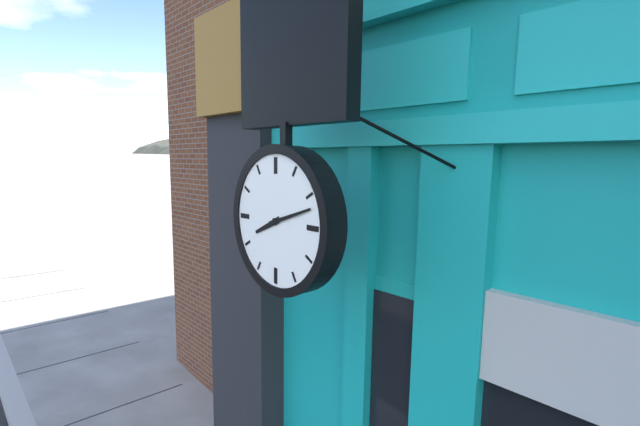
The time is {"hour": 8, "minute": 12}
